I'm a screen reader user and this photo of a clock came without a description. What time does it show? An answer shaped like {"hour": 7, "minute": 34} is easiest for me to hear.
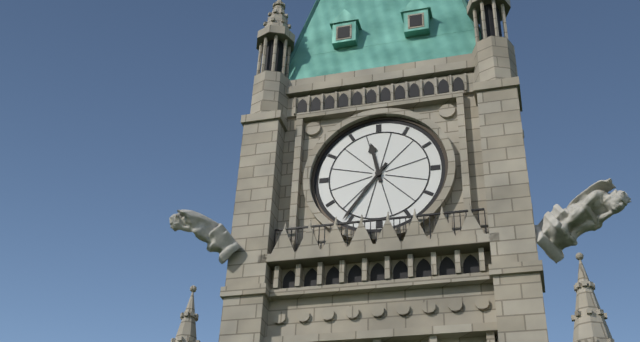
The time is {"hour": 11, "minute": 36}
